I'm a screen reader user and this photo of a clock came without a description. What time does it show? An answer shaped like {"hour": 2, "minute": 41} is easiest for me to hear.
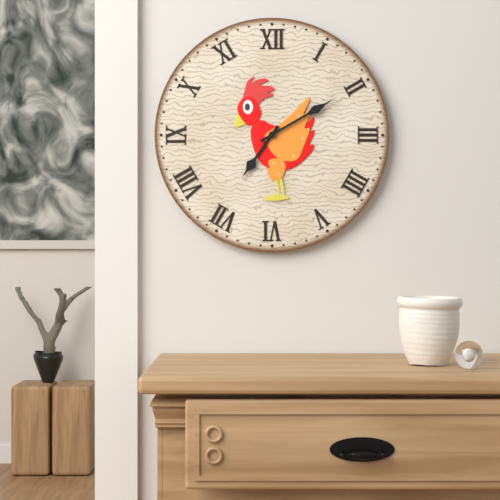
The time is {"hour": 7, "minute": 10}
